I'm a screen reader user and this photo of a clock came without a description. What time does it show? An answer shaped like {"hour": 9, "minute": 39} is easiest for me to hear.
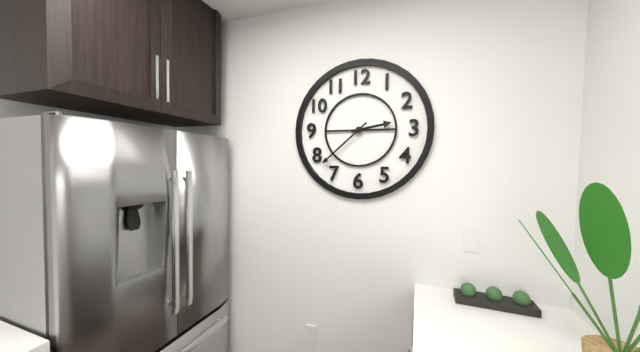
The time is {"hour": 2, "minute": 38}
